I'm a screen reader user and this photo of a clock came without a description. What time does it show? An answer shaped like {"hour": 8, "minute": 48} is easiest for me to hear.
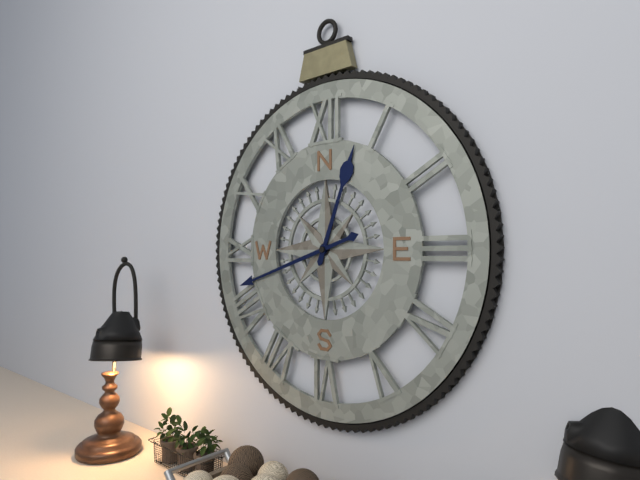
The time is {"hour": 12, "minute": 42}
